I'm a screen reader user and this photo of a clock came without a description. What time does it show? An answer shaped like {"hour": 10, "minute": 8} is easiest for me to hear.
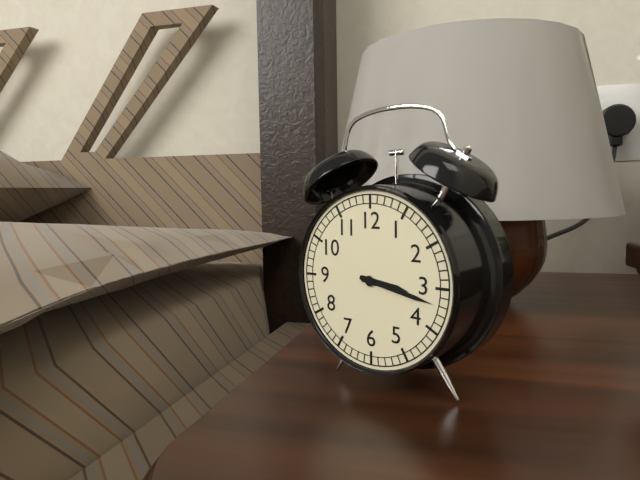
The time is {"hour": 3, "minute": 17}
